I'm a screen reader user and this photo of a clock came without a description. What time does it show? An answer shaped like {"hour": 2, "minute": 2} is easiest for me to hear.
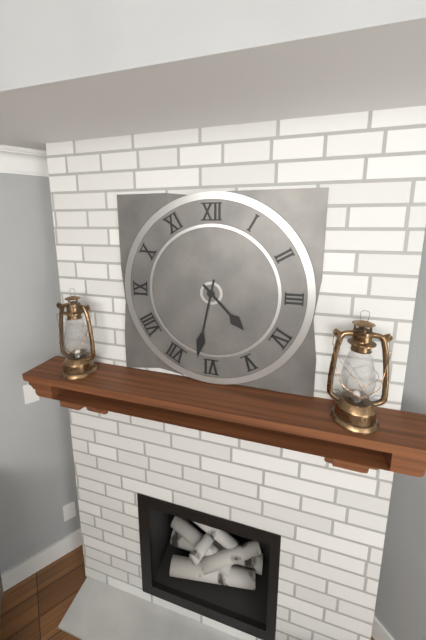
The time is {"hour": 4, "minute": 32}
